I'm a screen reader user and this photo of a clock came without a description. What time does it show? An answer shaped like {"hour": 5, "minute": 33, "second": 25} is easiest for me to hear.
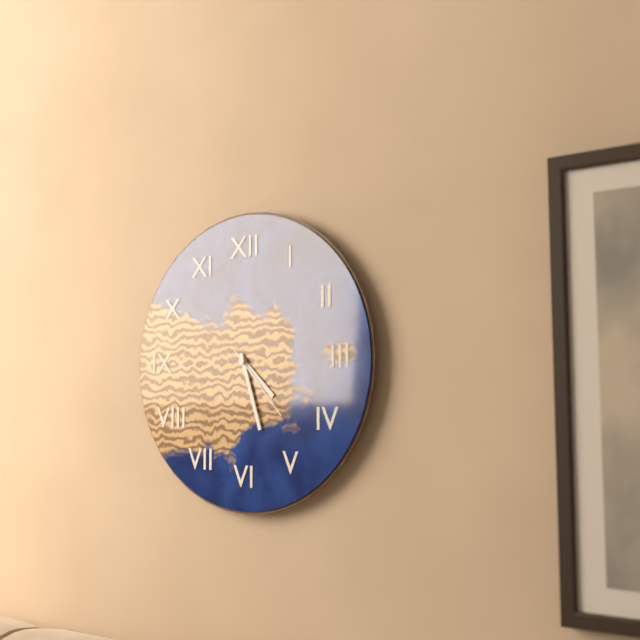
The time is {"hour": 4, "minute": 27, "second": 23}
